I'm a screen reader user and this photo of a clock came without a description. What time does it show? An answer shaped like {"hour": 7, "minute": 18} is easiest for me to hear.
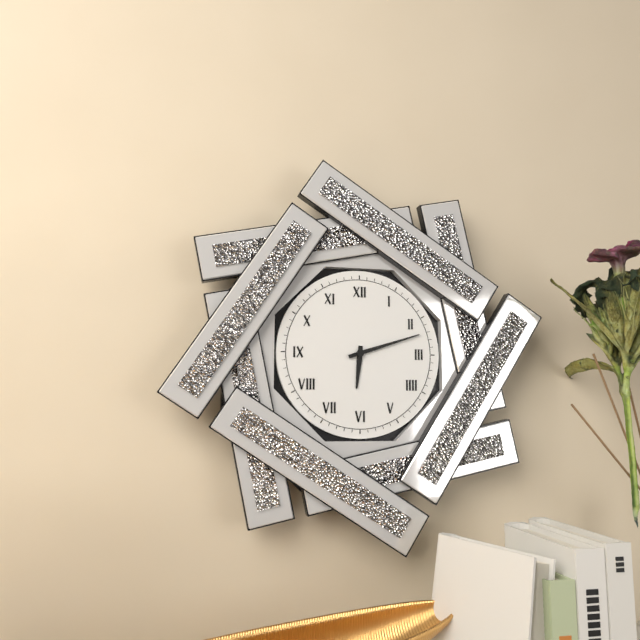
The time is {"hour": 6, "minute": 12}
